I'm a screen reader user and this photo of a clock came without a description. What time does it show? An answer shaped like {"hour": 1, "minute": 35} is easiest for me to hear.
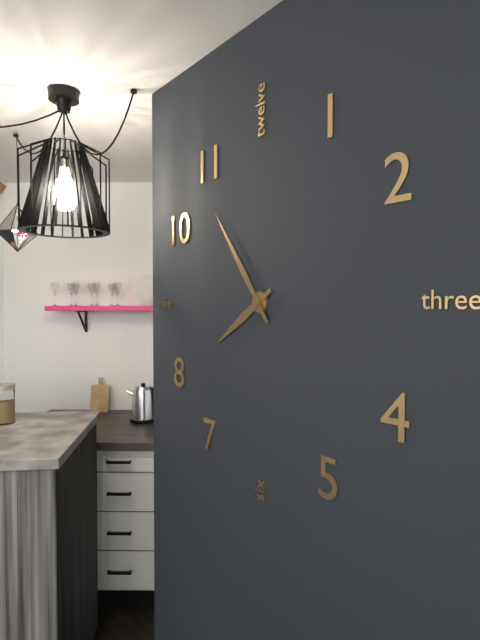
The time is {"hour": 7, "minute": 54}
